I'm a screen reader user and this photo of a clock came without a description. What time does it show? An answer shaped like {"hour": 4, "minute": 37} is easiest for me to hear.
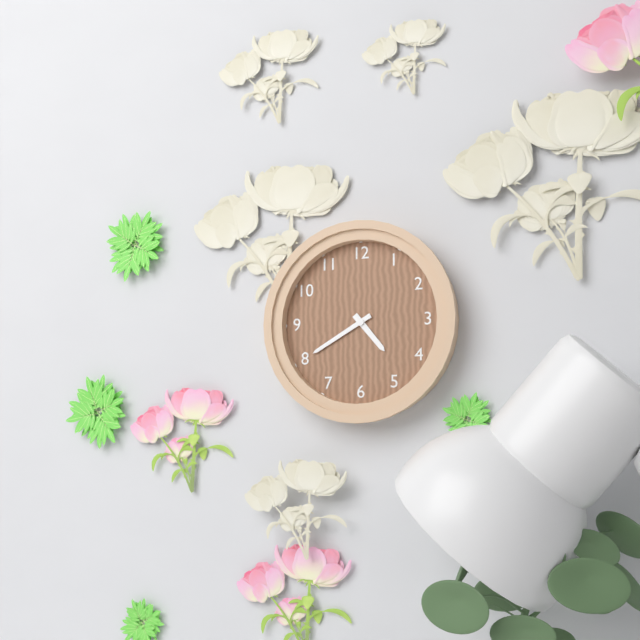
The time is {"hour": 4, "minute": 40}
